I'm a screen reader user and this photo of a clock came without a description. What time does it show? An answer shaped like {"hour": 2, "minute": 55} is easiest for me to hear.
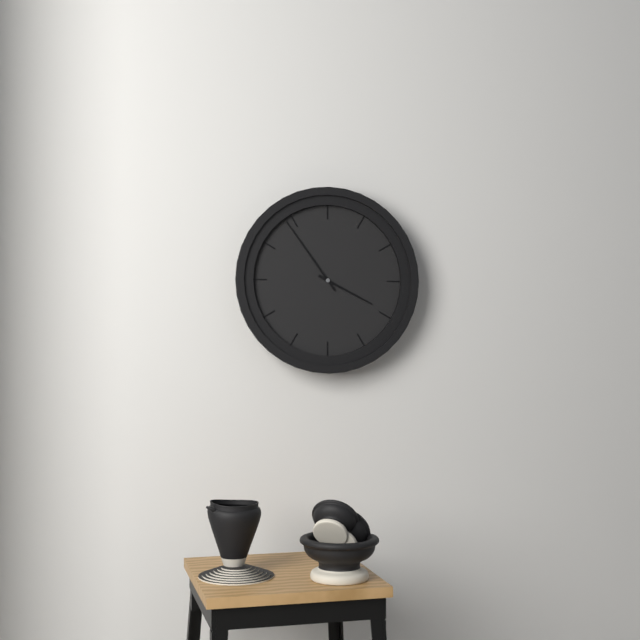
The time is {"hour": 3, "minute": 54}
